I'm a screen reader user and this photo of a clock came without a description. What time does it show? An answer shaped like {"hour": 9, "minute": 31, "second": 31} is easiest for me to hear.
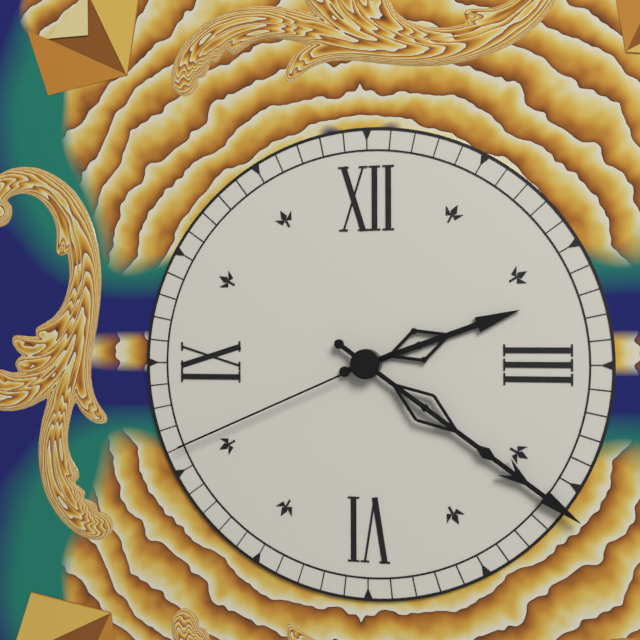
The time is {"hour": 2, "minute": 21, "second": 41}
